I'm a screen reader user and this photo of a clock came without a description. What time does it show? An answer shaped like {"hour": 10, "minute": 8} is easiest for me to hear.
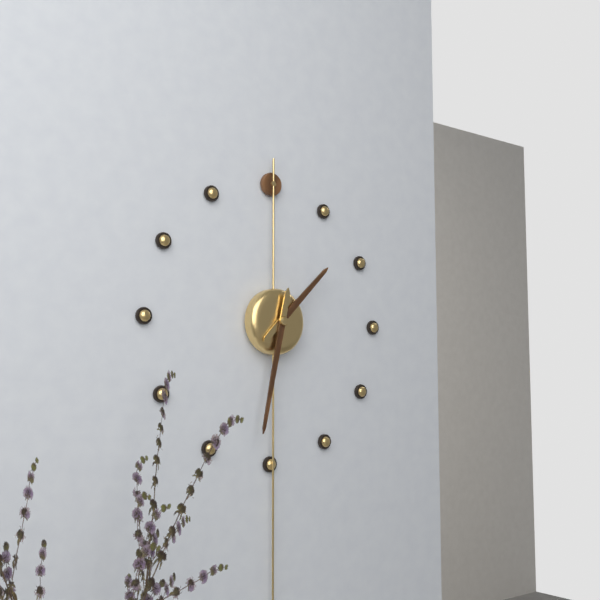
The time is {"hour": 1, "minute": 32}
